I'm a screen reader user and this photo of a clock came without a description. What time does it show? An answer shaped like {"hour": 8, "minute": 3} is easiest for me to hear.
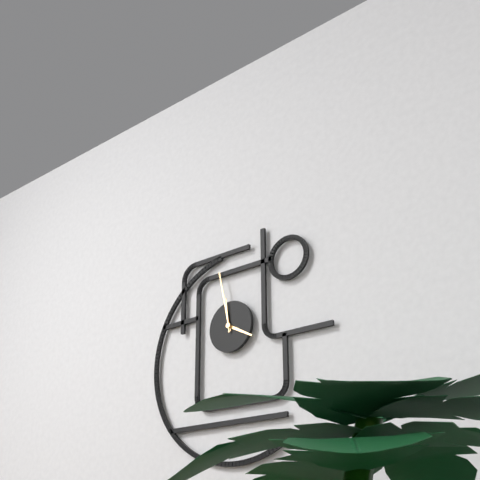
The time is {"hour": 3, "minute": 58}
